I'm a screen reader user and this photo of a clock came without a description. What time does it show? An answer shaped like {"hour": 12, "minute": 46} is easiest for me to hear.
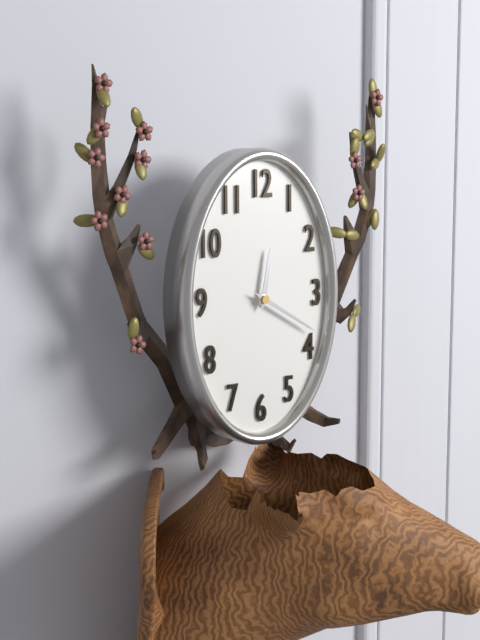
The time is {"hour": 12, "minute": 20}
